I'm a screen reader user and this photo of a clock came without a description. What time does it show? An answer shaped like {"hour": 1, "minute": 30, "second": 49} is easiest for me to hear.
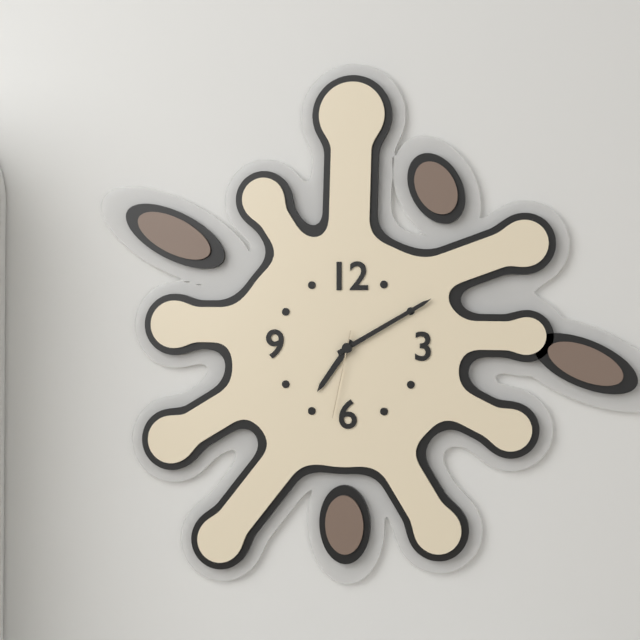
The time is {"hour": 7, "minute": 10, "second": 32}
